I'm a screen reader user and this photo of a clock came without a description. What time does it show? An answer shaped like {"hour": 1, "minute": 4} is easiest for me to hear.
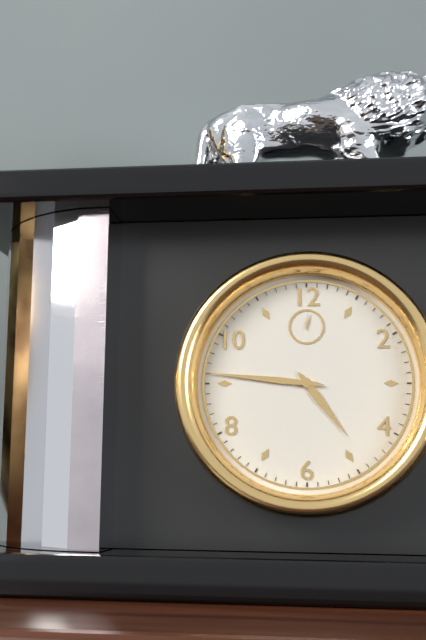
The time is {"hour": 4, "minute": 46}
